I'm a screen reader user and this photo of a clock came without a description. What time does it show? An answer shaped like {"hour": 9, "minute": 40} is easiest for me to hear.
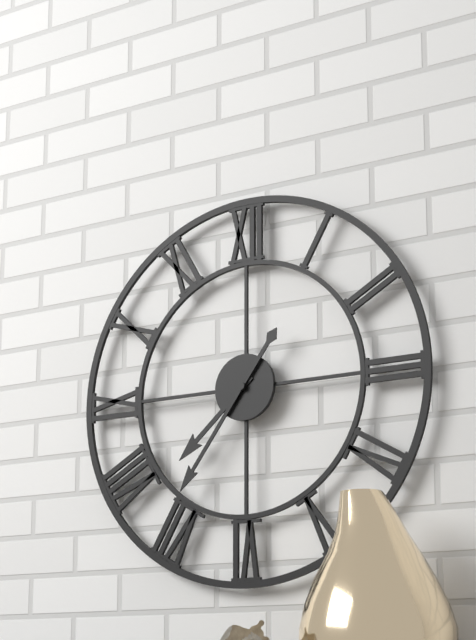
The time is {"hour": 7, "minute": 36}
